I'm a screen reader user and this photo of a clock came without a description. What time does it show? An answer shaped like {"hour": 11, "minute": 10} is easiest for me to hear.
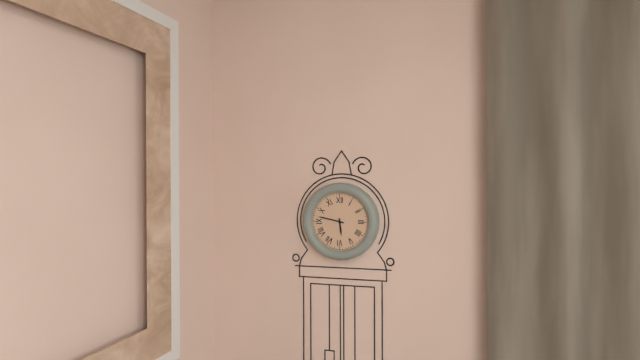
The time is {"hour": 5, "minute": 47}
